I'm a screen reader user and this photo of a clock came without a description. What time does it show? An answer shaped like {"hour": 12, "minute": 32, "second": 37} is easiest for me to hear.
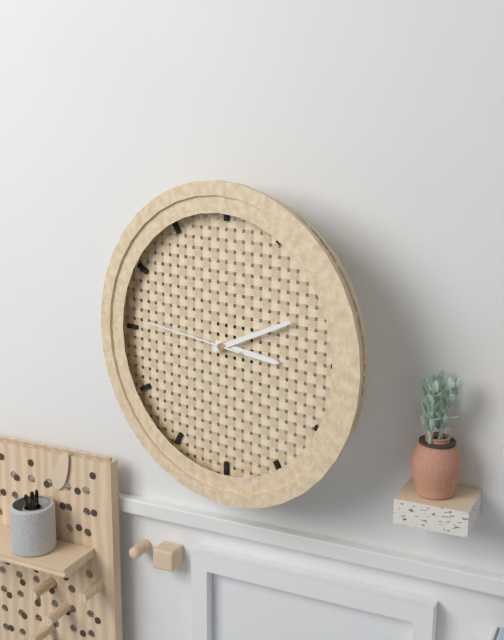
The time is {"hour": 3, "minute": 11, "second": 46}
